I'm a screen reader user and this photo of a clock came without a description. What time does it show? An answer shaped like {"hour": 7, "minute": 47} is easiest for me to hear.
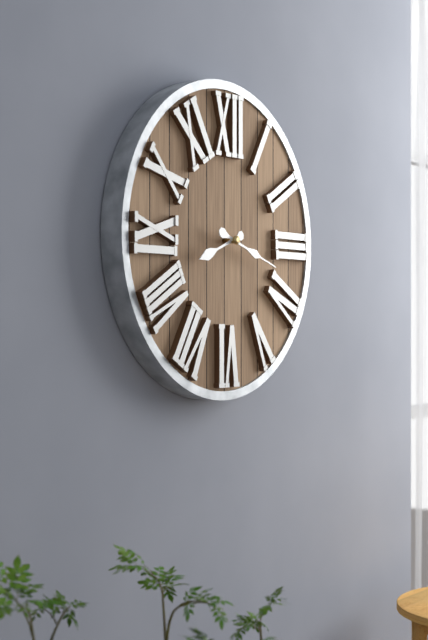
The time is {"hour": 8, "minute": 18}
